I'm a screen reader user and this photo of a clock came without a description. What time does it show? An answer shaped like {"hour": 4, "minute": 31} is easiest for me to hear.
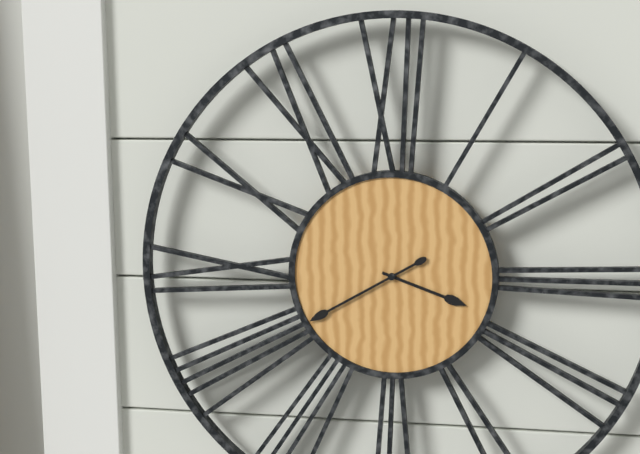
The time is {"hour": 3, "minute": 40}
